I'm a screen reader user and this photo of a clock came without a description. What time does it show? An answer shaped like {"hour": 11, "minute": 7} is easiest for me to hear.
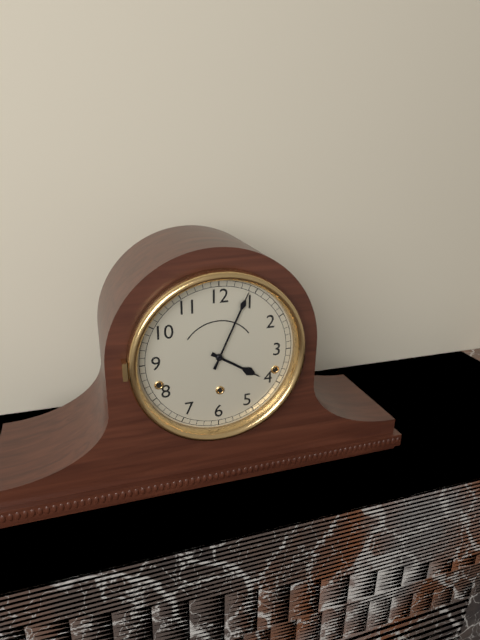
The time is {"hour": 4, "minute": 4}
